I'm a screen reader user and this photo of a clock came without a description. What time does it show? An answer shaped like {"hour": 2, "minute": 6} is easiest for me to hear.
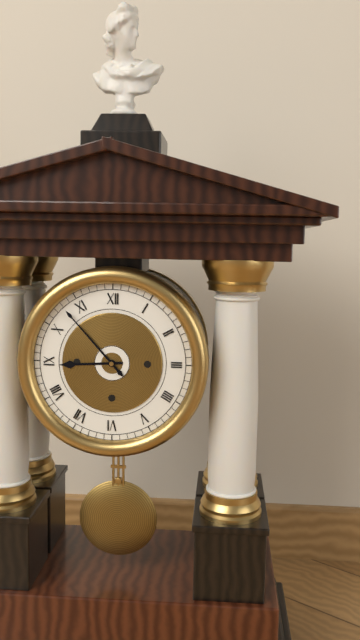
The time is {"hour": 8, "minute": 53}
